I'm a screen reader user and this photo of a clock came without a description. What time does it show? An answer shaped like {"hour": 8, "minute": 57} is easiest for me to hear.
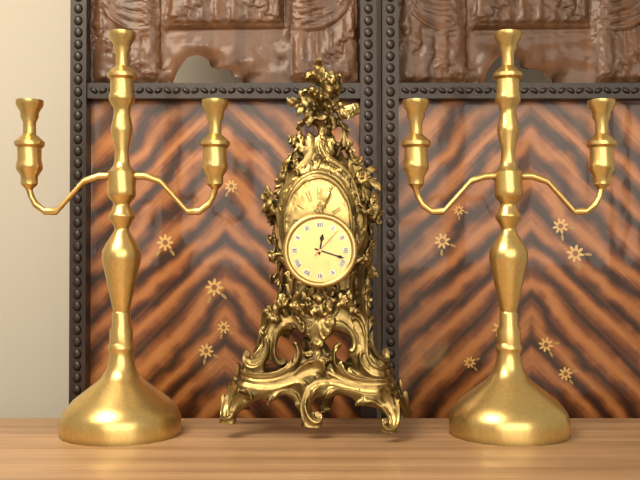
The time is {"hour": 12, "minute": 18}
